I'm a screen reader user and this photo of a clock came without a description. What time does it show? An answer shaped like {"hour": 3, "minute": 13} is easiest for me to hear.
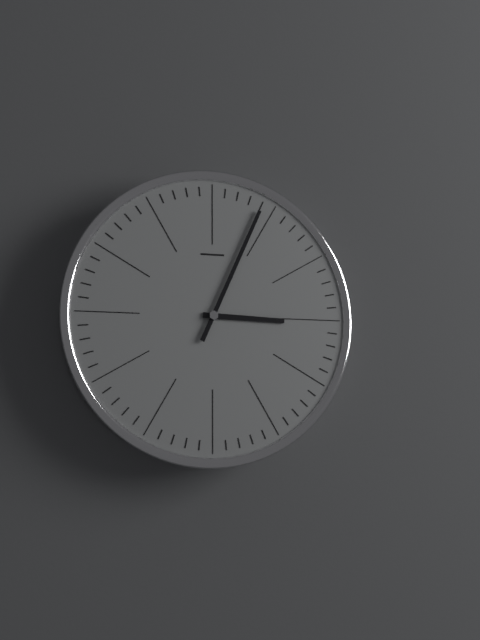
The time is {"hour": 3, "minute": 4}
